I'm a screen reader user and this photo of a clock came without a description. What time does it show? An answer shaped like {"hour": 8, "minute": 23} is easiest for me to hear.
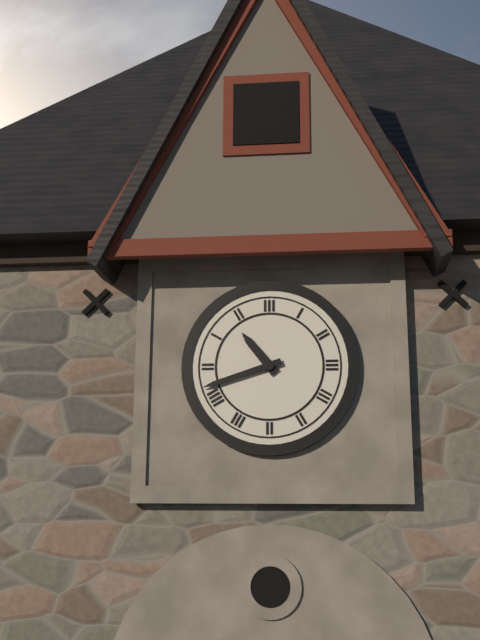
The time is {"hour": 10, "minute": 42}
